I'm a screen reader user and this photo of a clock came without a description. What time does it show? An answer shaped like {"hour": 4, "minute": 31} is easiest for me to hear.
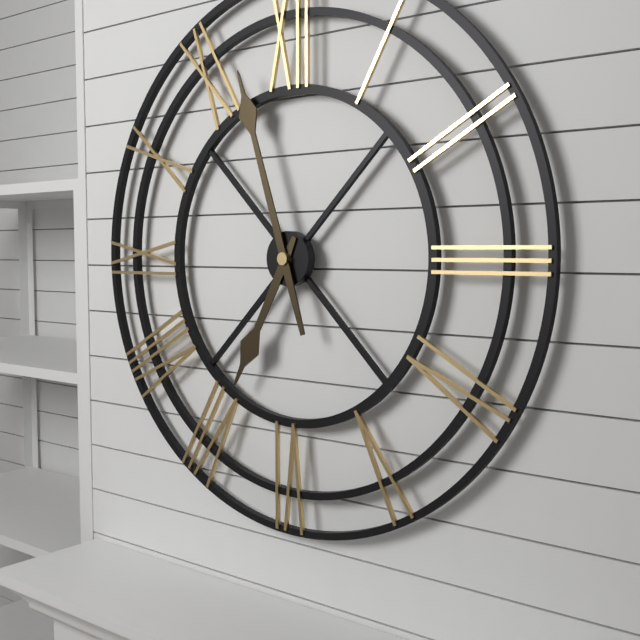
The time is {"hour": 6, "minute": 57}
